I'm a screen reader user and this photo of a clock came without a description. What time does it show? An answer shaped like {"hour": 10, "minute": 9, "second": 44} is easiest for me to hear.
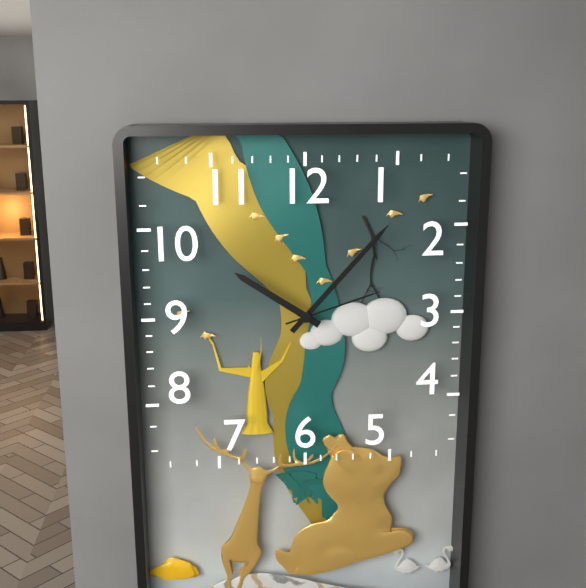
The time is {"hour": 10, "minute": 7, "second": 12}
